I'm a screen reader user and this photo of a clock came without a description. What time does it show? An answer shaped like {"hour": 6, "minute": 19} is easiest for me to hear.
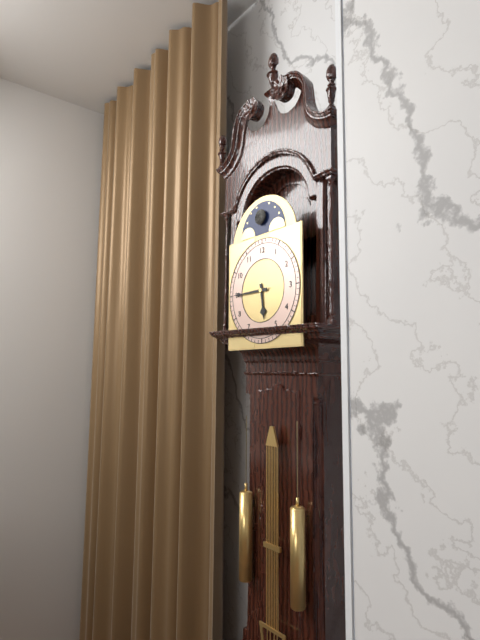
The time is {"hour": 5, "minute": 45}
